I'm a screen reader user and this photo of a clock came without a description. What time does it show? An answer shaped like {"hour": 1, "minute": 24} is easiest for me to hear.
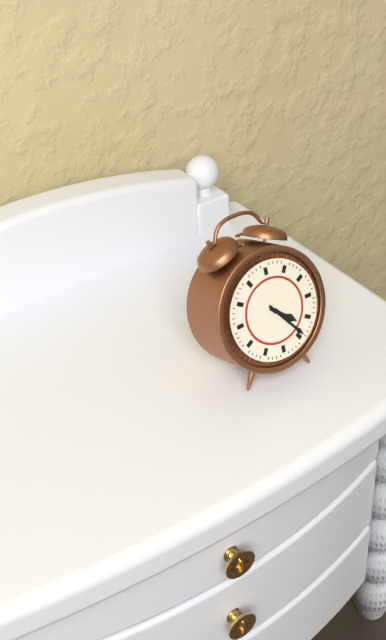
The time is {"hour": 4, "minute": 24}
